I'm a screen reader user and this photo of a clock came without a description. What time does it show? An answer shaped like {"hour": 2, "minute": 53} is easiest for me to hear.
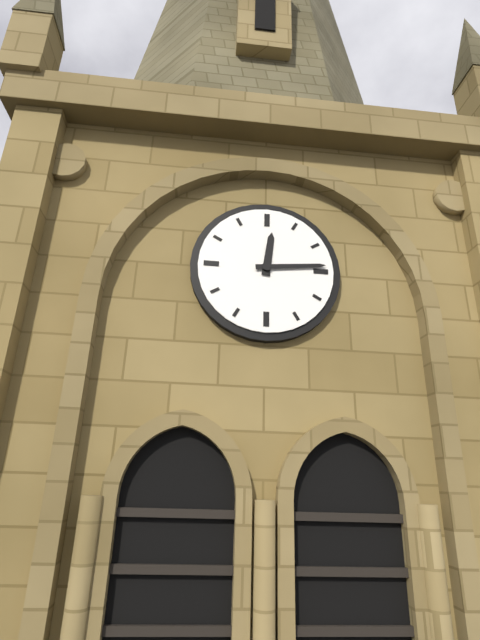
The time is {"hour": 12, "minute": 14}
